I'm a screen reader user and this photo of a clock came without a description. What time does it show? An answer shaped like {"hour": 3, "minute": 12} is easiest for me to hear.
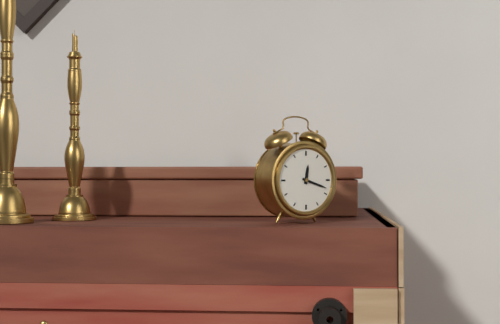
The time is {"hour": 12, "minute": 18}
